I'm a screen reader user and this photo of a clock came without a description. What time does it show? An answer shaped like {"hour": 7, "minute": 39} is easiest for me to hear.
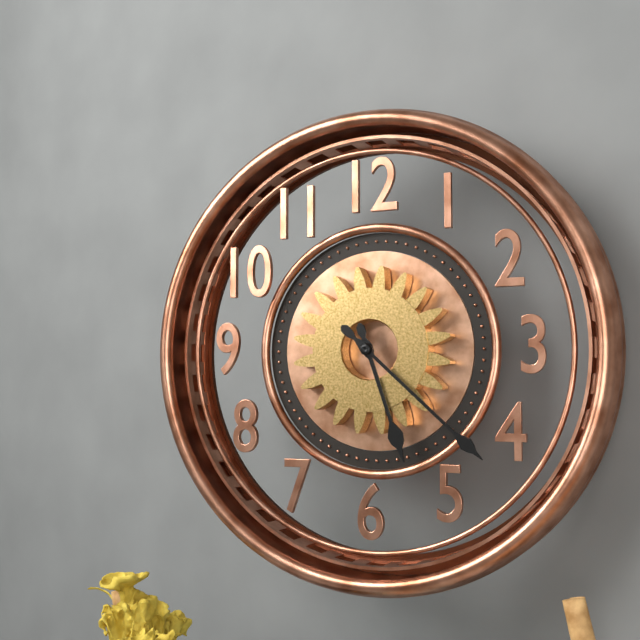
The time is {"hour": 5, "minute": 22}
